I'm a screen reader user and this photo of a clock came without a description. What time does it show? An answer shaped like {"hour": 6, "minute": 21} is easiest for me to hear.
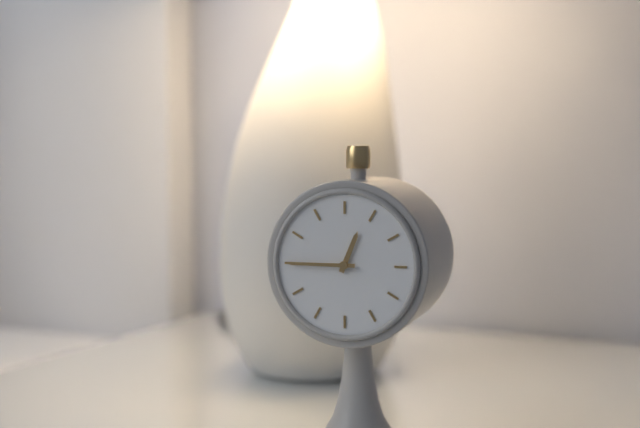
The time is {"hour": 12, "minute": 45}
